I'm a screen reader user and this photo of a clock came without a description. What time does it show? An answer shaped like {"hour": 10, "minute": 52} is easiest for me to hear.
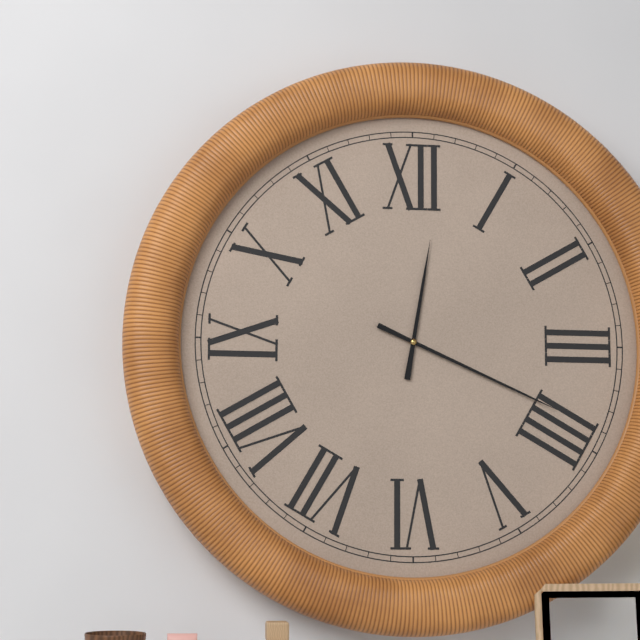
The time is {"hour": 12, "minute": 19}
